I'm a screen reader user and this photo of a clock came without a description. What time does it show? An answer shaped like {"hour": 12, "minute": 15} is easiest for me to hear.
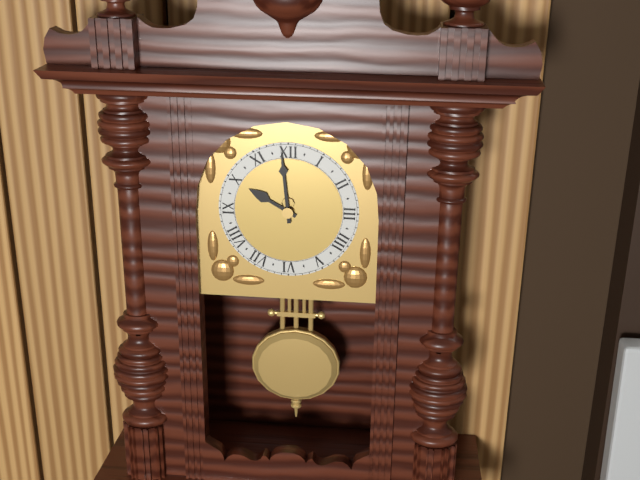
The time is {"hour": 9, "minute": 59}
